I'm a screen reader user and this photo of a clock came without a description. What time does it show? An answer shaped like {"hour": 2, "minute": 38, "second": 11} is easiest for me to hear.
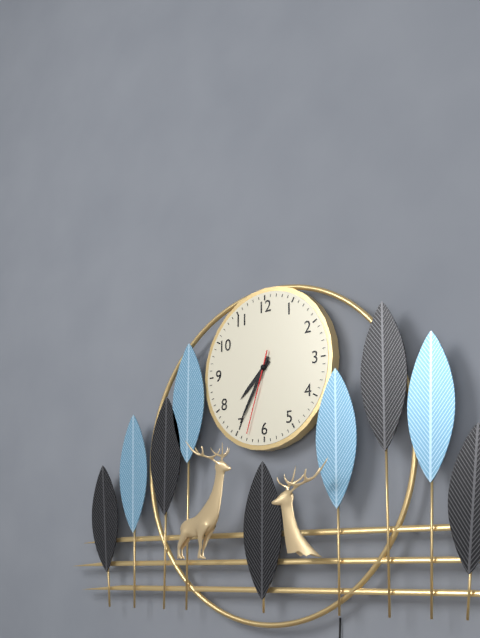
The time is {"hour": 7, "minute": 35, "second": 33}
